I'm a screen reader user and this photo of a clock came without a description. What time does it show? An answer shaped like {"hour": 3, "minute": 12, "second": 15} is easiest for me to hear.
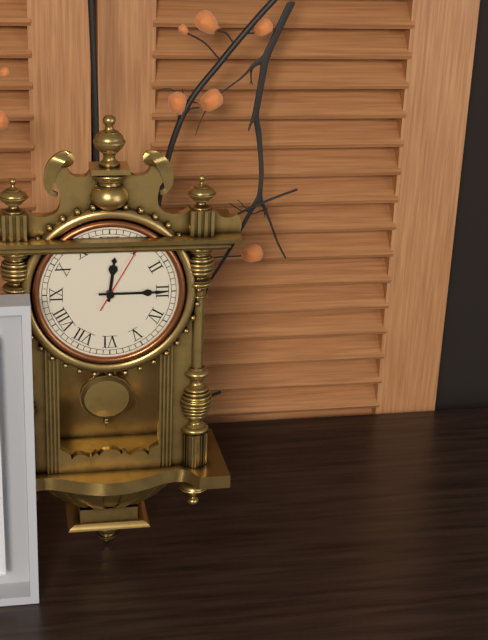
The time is {"hour": 12, "minute": 15, "second": 5}
